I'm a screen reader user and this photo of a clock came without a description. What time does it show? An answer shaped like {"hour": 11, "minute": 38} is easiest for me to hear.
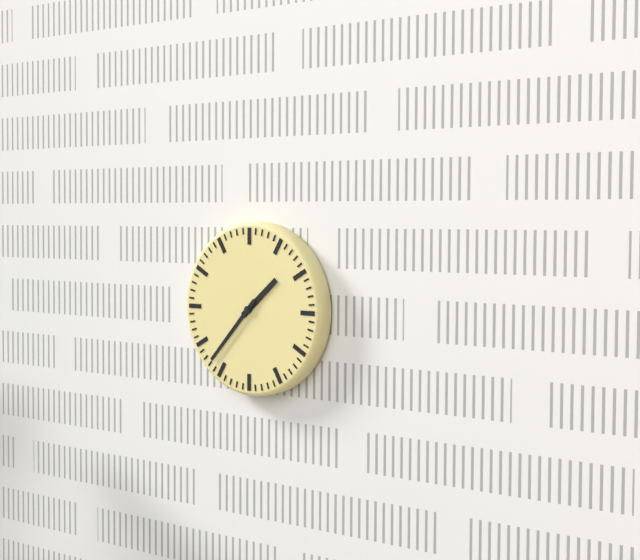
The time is {"hour": 1, "minute": 37}
